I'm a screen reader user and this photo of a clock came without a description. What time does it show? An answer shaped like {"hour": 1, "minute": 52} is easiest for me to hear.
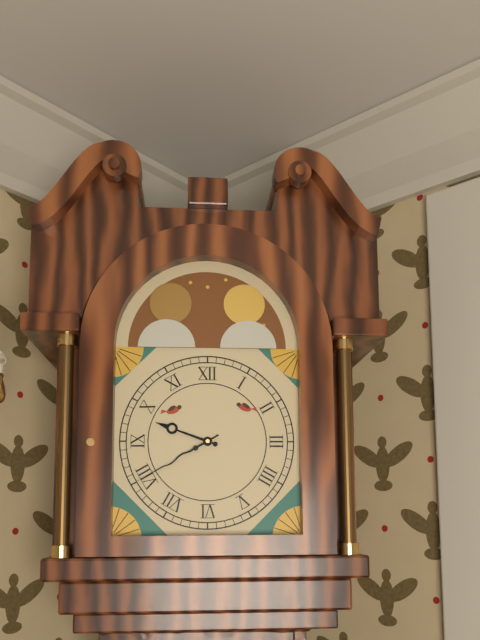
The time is {"hour": 9, "minute": 40}
